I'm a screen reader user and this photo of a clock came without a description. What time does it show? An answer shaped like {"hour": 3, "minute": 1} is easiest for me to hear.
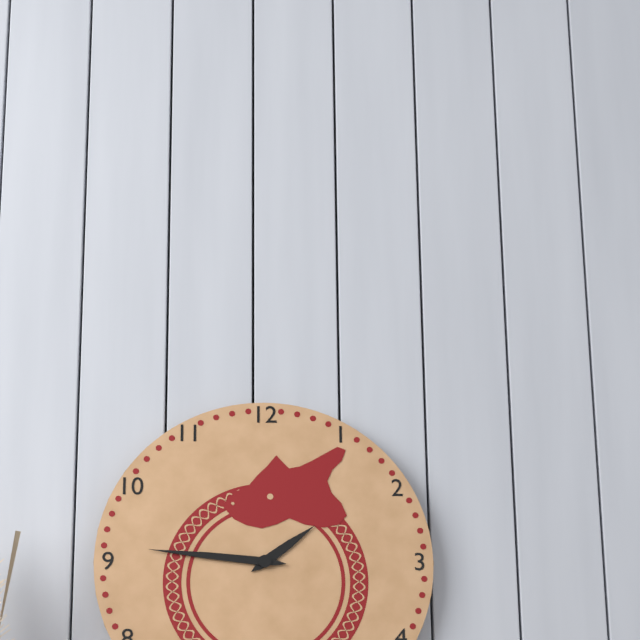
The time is {"hour": 1, "minute": 46}
